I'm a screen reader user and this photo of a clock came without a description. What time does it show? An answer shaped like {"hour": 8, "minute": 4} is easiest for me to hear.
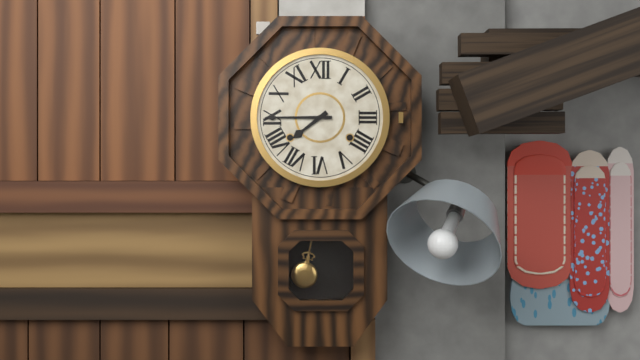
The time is {"hour": 7, "minute": 45}
